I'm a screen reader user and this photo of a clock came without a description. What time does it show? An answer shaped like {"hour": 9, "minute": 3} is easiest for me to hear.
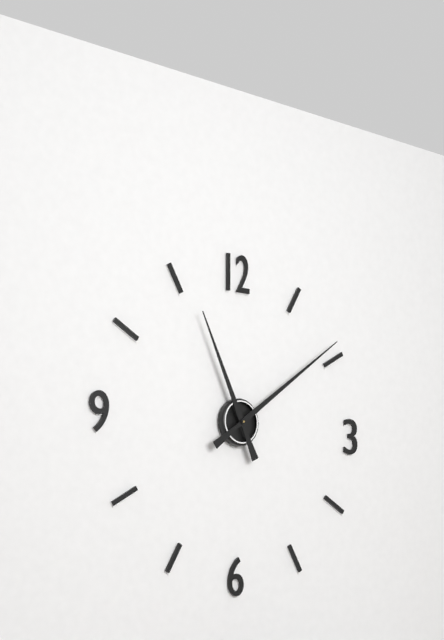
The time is {"hour": 11, "minute": 9}
